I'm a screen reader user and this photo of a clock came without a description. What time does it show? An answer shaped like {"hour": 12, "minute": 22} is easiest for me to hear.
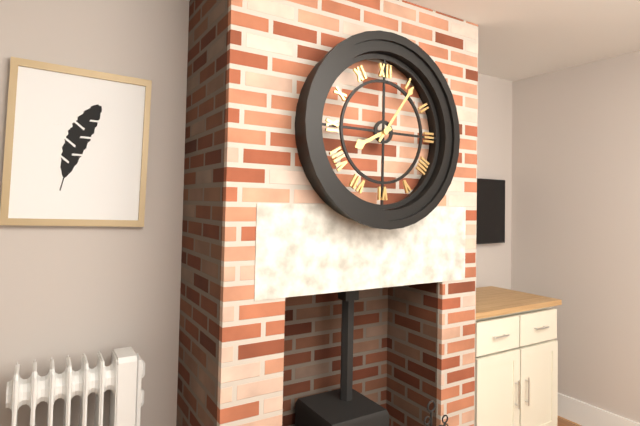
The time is {"hour": 8, "minute": 6}
